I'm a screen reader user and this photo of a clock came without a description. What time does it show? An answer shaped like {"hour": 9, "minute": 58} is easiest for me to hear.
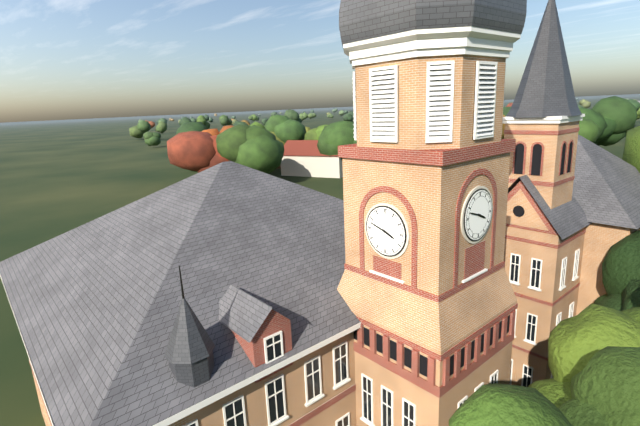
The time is {"hour": 3, "minute": 48}
